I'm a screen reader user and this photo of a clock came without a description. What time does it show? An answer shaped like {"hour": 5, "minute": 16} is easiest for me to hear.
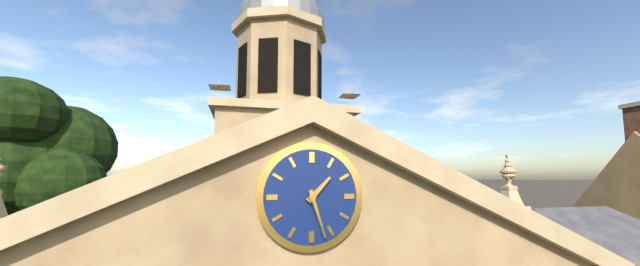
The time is {"hour": 1, "minute": 27}
